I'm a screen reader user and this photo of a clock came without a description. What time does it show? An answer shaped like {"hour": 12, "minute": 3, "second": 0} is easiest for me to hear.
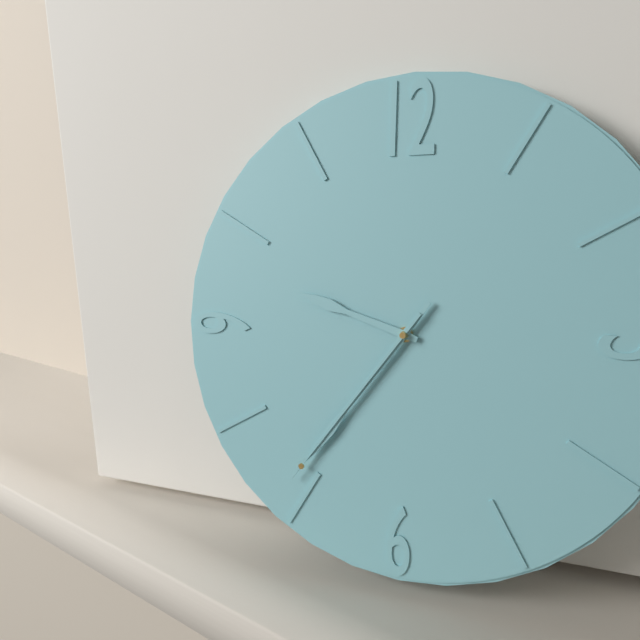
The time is {"hour": 9, "minute": 36, "second": 36}
